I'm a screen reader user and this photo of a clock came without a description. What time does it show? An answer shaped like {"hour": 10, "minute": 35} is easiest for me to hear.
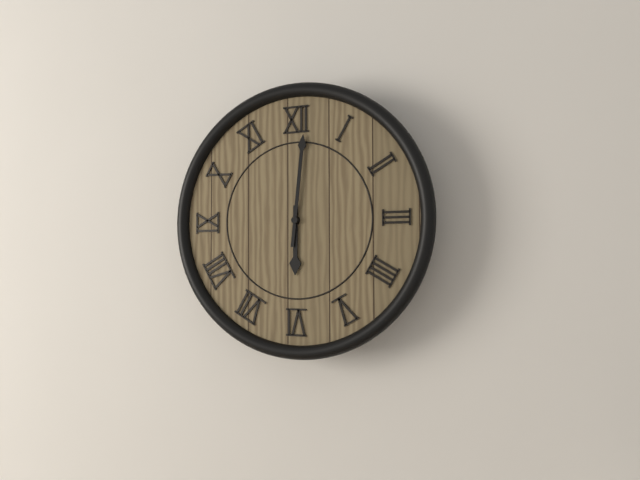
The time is {"hour": 6, "minute": 1}
